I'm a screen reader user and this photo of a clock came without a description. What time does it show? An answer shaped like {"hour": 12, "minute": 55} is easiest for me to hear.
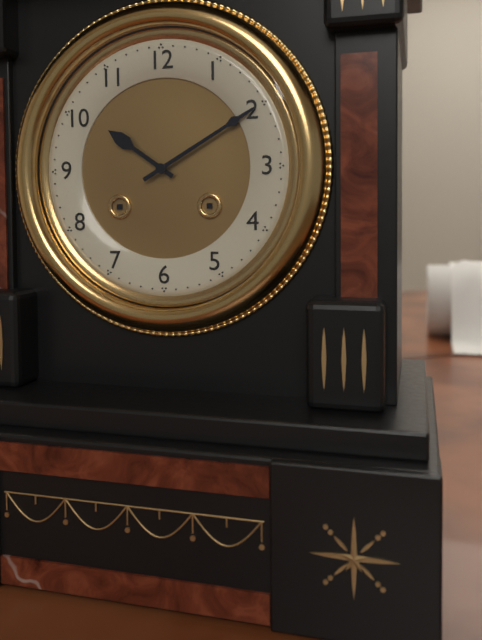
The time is {"hour": 10, "minute": 10}
